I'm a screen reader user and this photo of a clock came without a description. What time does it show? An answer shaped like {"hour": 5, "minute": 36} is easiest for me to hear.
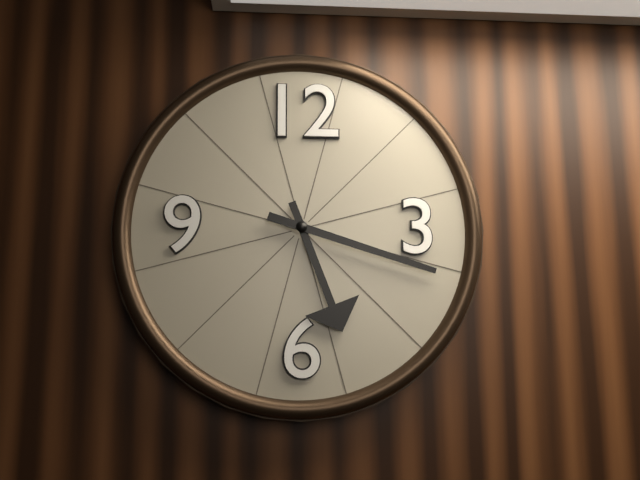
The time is {"hour": 5, "minute": 18}
